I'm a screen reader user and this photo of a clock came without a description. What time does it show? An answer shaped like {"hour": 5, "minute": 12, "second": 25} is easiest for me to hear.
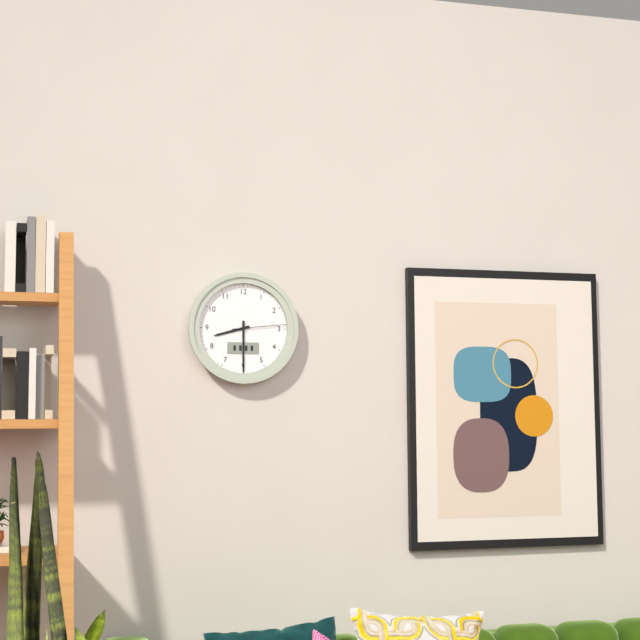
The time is {"hour": 8, "minute": 30, "second": 14}
